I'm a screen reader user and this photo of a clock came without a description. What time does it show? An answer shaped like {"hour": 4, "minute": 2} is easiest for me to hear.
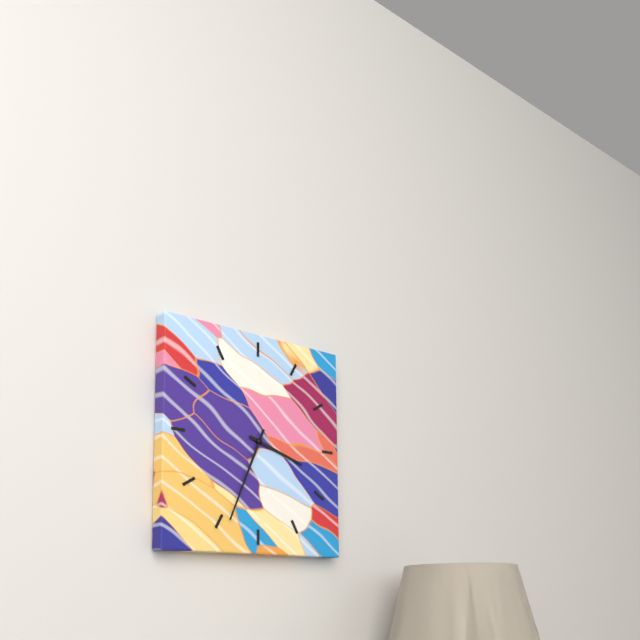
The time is {"hour": 3, "minute": 34}
